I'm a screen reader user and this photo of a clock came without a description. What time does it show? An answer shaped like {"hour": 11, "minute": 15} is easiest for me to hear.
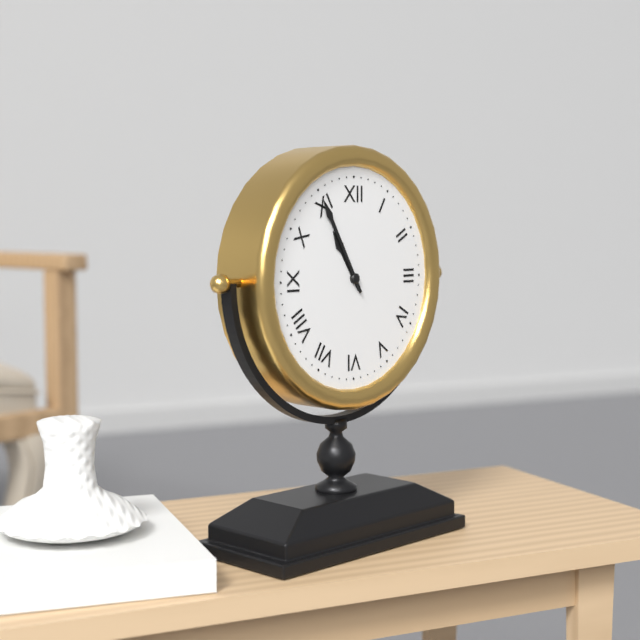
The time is {"hour": 10, "minute": 55}
